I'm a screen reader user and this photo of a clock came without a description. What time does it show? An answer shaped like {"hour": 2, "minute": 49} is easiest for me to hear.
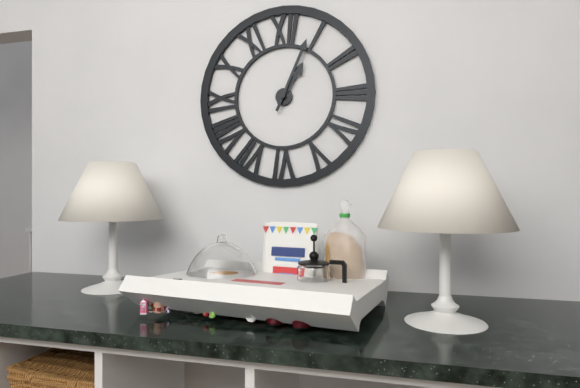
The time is {"hour": 1, "minute": 4}
